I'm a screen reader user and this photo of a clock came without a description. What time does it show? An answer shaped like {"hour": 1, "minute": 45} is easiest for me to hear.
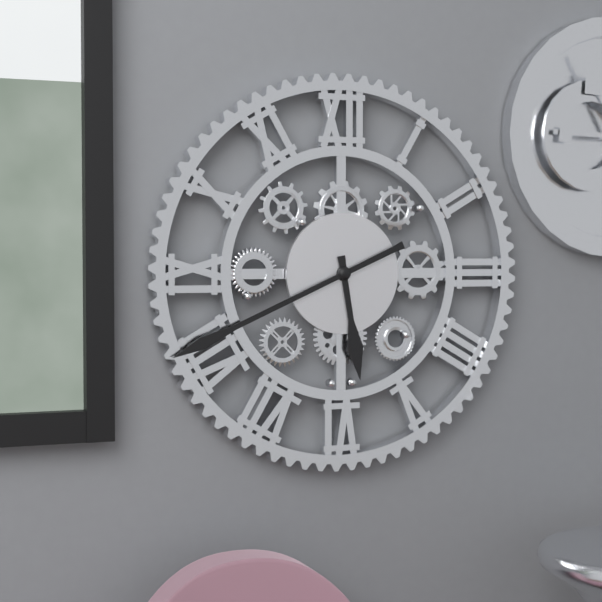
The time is {"hour": 5, "minute": 41}
